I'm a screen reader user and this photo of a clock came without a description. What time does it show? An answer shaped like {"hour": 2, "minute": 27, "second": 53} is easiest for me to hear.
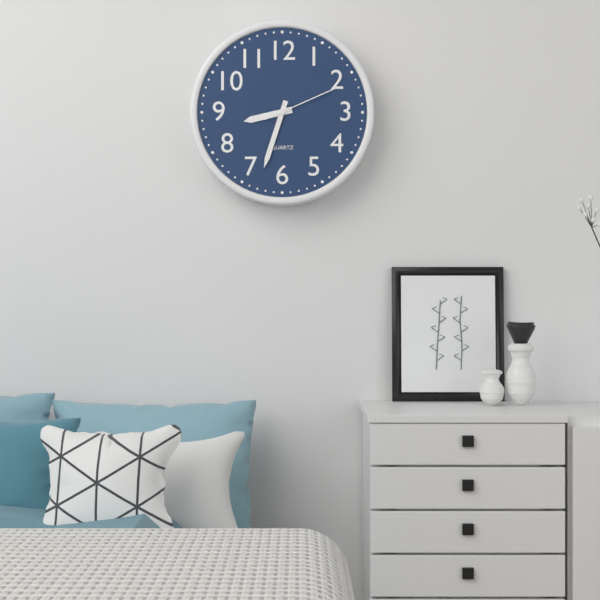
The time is {"hour": 8, "minute": 33, "second": 11}
